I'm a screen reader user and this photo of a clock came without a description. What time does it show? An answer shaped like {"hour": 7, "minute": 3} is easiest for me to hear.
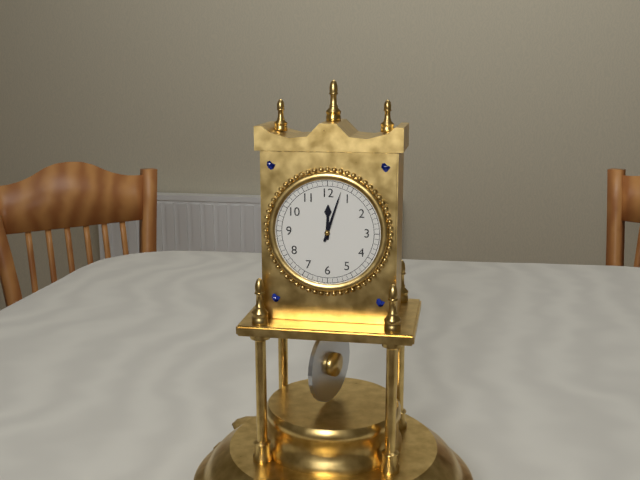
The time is {"hour": 12, "minute": 3}
